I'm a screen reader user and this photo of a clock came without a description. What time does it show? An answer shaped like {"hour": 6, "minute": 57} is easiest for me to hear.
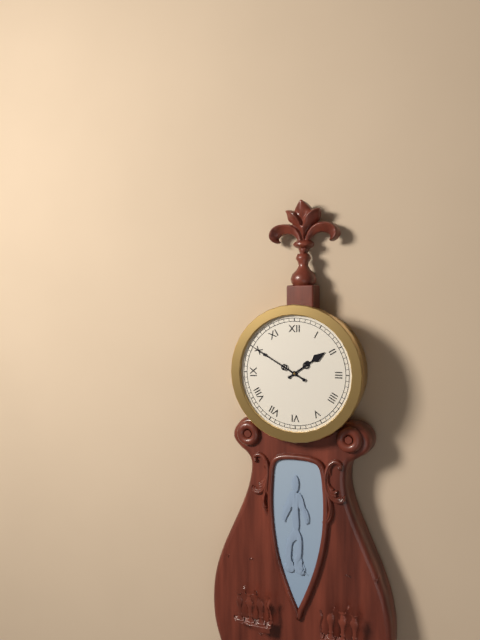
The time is {"hour": 1, "minute": 50}
